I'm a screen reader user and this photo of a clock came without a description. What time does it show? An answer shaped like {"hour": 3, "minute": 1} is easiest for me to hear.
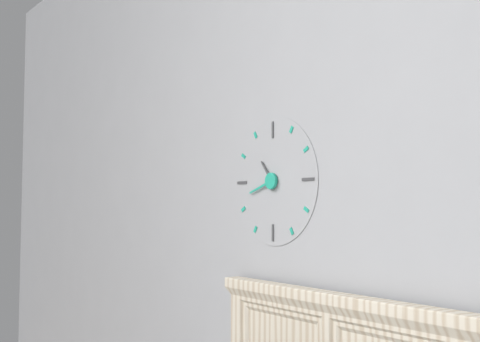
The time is {"hour": 10, "minute": 42}
